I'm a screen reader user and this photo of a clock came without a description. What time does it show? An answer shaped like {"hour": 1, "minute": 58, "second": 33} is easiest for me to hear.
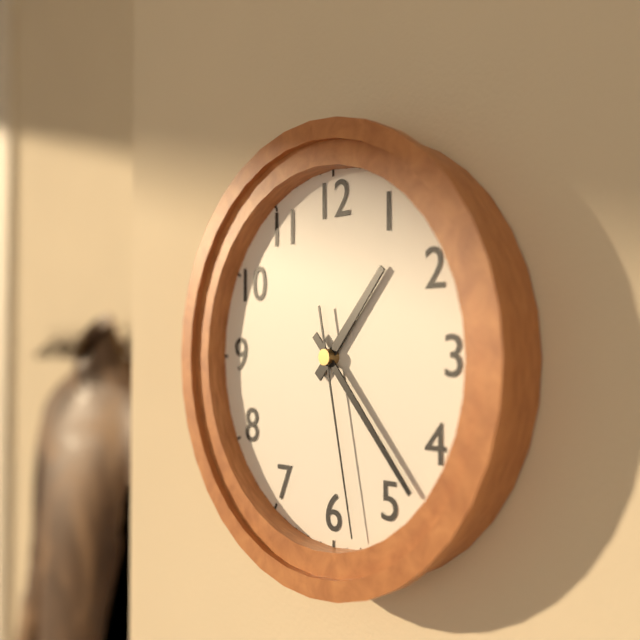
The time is {"hour": 1, "minute": 23, "second": 28}
